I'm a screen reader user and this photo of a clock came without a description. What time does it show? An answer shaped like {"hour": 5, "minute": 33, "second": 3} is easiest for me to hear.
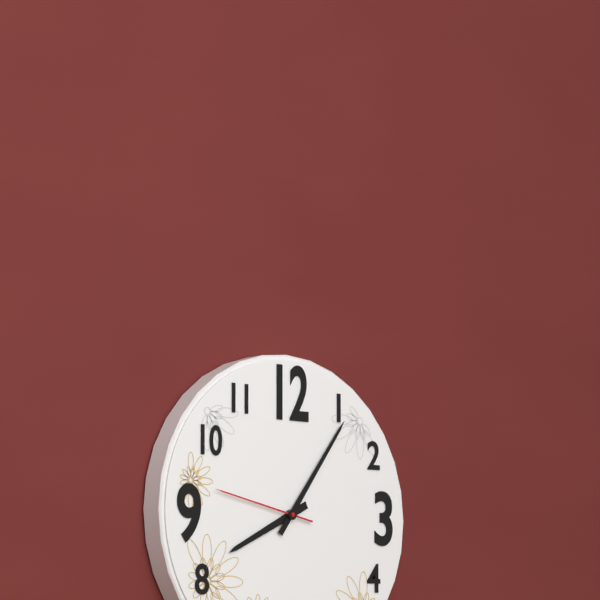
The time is {"hour": 8, "minute": 6, "second": 47}
